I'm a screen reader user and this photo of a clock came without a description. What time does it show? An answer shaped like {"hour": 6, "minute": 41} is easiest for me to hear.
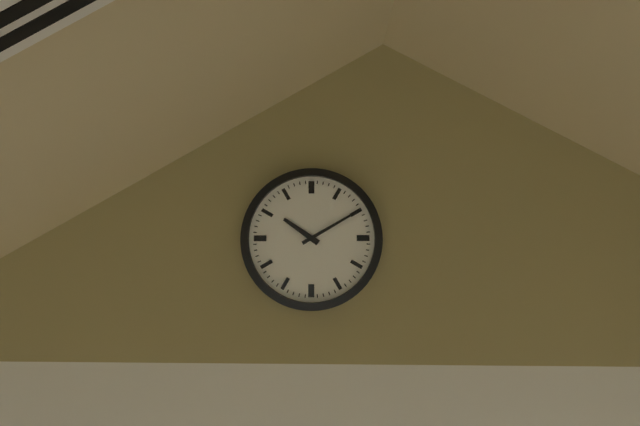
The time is {"hour": 10, "minute": 10}
